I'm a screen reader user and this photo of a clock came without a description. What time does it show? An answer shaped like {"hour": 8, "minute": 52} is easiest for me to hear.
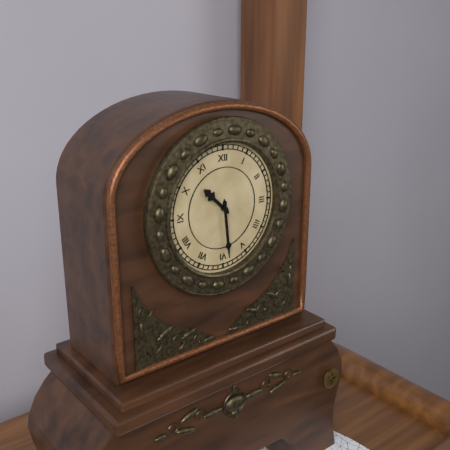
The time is {"hour": 10, "minute": 29}
